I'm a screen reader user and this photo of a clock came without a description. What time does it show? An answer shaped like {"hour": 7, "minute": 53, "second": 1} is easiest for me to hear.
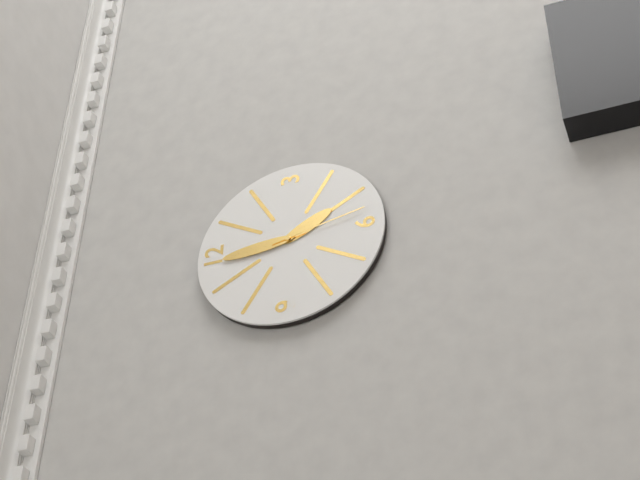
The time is {"hour": 4, "minute": 59, "second": 28}
